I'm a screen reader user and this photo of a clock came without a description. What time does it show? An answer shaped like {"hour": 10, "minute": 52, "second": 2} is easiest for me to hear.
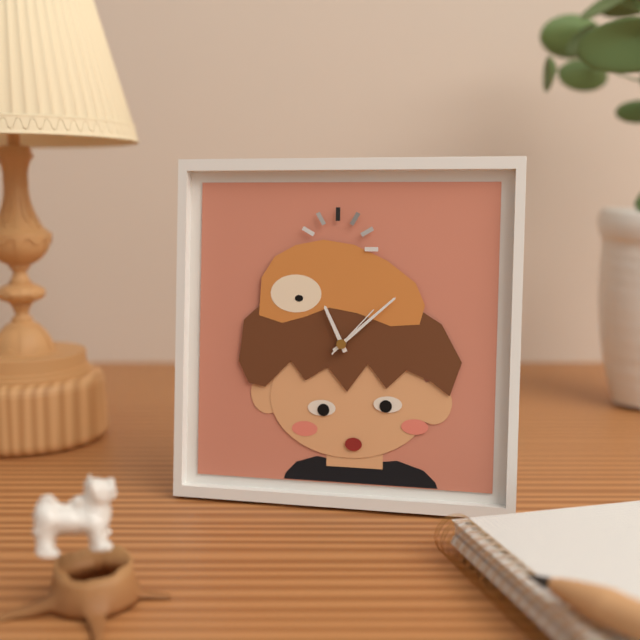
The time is {"hour": 11, "minute": 8, "second": 7}
